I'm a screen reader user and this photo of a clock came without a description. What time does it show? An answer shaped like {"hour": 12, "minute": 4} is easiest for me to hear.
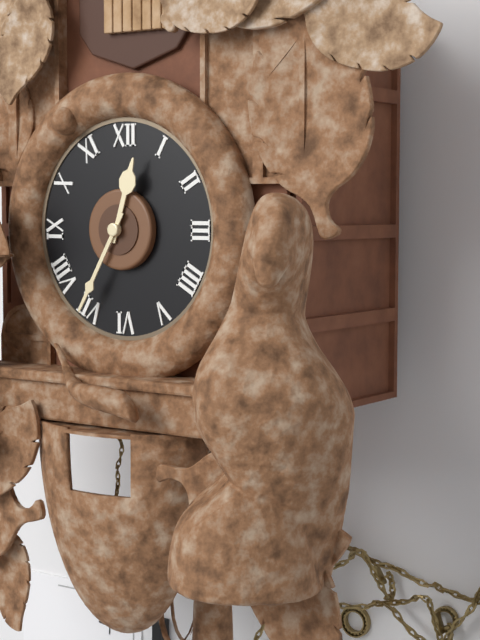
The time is {"hour": 12, "minute": 35}
